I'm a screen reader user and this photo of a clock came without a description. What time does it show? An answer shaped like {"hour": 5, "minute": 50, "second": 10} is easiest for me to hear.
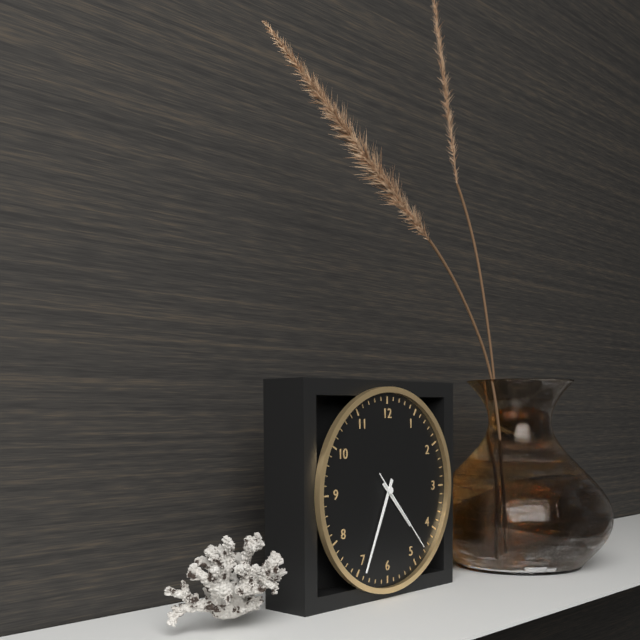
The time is {"hour": 4, "minute": 34, "second": 23}
